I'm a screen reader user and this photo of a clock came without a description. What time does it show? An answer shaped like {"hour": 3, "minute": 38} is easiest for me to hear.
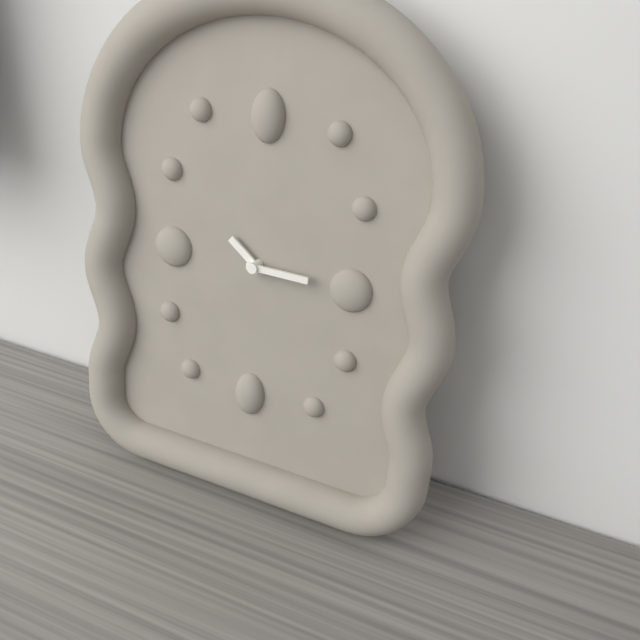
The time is {"hour": 10, "minute": 15}
